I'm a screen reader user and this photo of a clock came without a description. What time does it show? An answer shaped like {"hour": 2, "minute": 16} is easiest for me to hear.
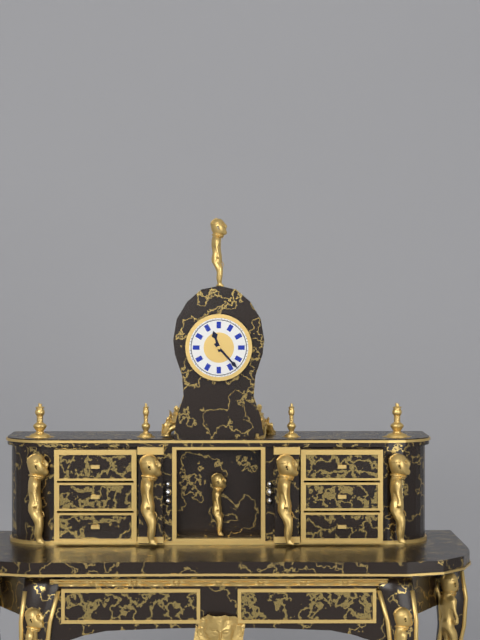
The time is {"hour": 11, "minute": 23}
